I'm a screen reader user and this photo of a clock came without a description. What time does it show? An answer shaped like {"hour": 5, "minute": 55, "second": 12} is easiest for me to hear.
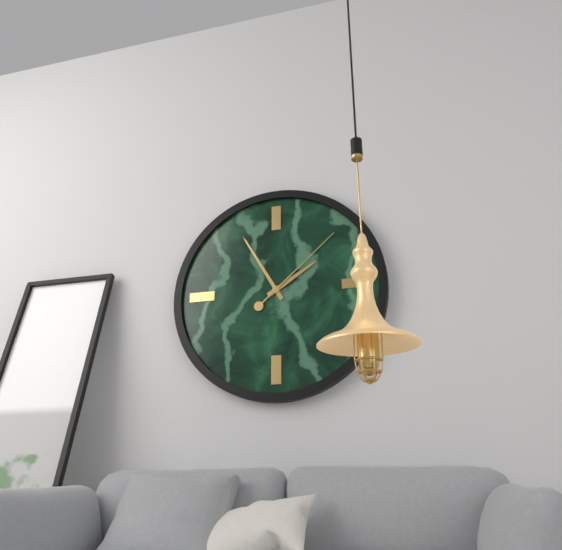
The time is {"hour": 1, "minute": 55, "second": 8}
